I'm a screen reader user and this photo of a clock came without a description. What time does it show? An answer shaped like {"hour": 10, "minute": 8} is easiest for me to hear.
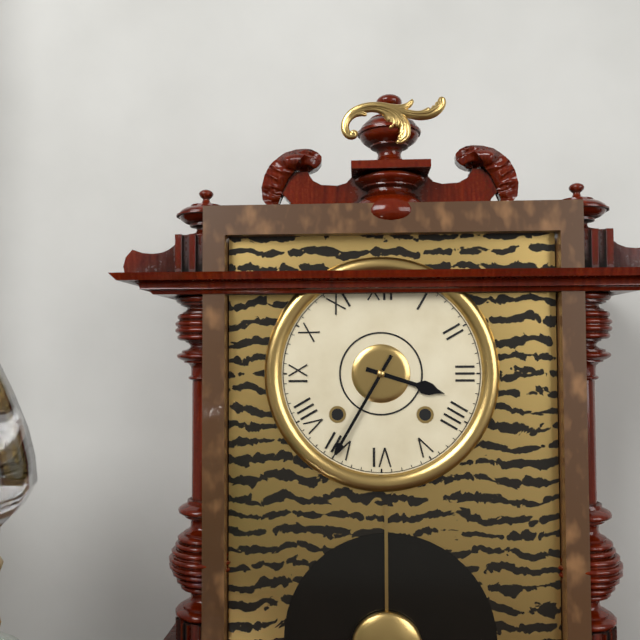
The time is {"hour": 3, "minute": 35}
